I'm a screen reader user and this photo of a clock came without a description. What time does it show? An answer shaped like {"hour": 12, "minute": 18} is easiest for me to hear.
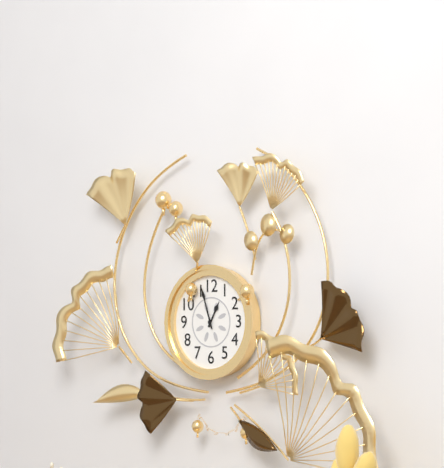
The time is {"hour": 12, "minute": 57}
